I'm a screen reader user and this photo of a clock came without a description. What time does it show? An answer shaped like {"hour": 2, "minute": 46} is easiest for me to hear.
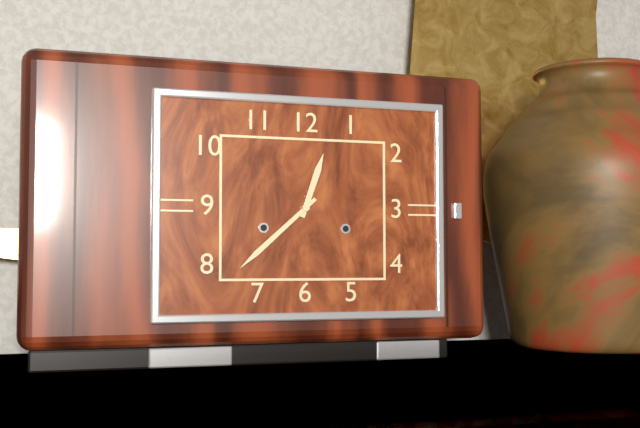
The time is {"hour": 12, "minute": 38}
